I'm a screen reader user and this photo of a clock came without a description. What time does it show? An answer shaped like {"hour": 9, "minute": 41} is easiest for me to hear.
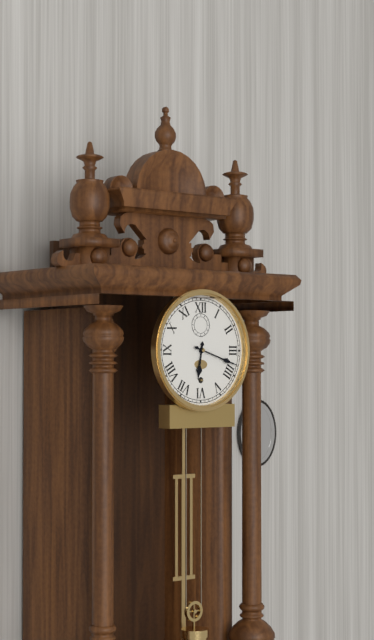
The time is {"hour": 6, "minute": 18}
